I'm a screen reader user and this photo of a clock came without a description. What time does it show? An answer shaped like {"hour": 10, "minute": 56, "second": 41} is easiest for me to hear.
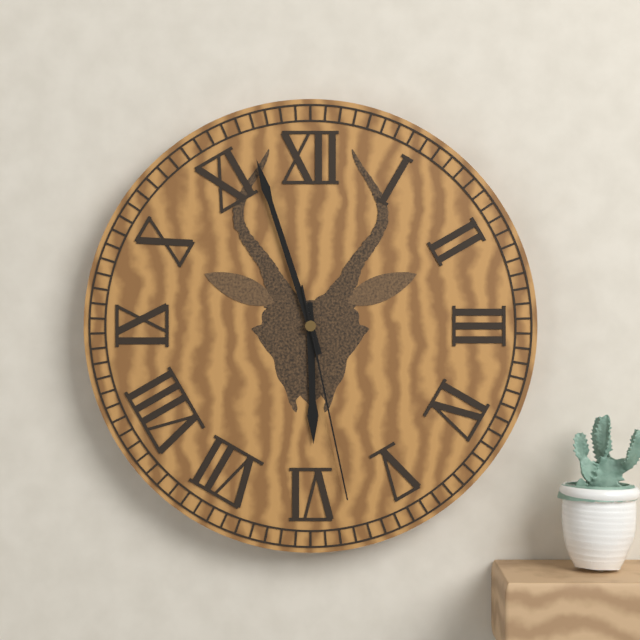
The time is {"hour": 5, "minute": 57, "second": 28}
